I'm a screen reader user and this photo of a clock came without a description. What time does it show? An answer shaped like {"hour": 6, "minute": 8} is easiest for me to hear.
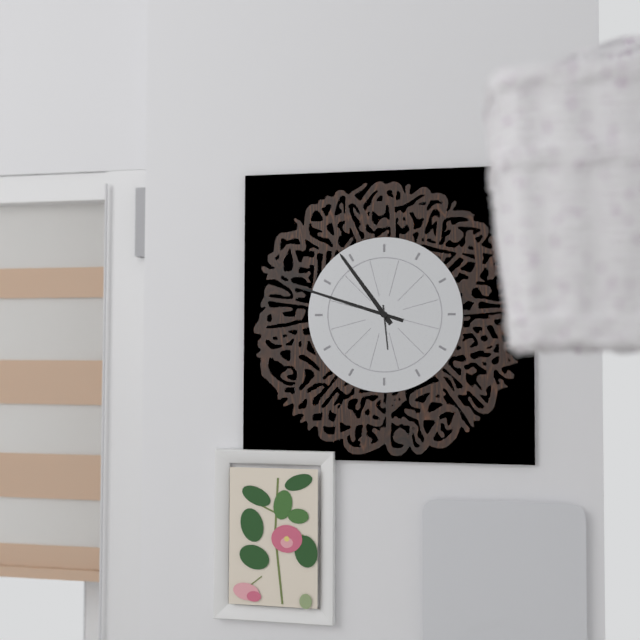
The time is {"hour": 10, "minute": 48}
